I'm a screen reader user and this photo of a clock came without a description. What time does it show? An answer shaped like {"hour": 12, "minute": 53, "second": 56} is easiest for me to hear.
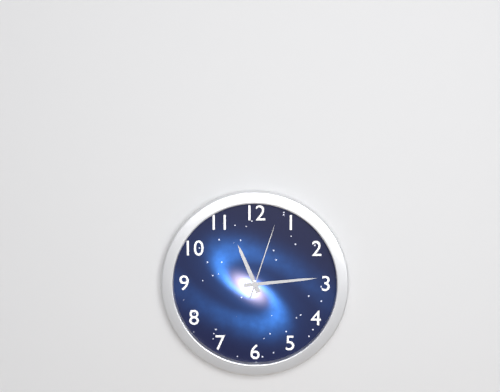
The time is {"hour": 11, "minute": 14, "second": 3}
